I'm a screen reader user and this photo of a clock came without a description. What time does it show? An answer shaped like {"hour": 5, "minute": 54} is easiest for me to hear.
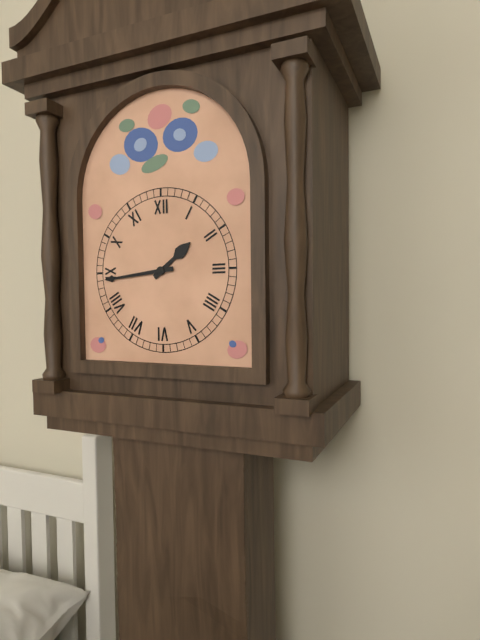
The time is {"hour": 1, "minute": 44}
